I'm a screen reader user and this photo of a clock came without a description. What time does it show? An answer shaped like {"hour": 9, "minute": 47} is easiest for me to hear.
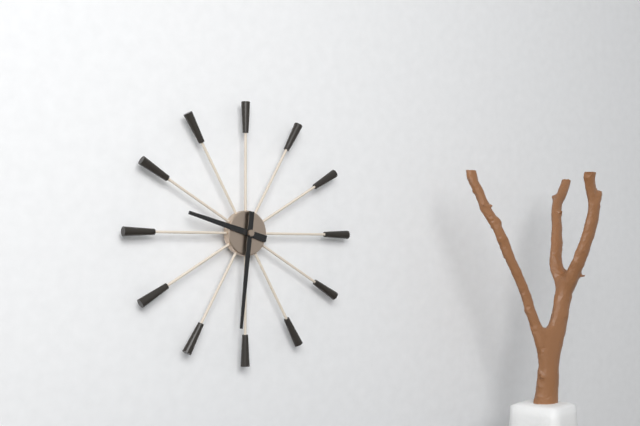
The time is {"hour": 9, "minute": 31}
